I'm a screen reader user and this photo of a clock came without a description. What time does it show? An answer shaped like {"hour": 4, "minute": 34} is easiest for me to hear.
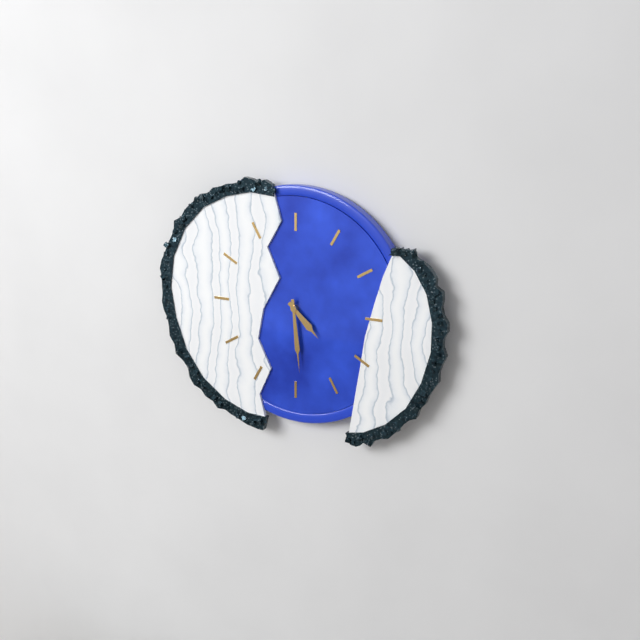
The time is {"hour": 4, "minute": 29}
